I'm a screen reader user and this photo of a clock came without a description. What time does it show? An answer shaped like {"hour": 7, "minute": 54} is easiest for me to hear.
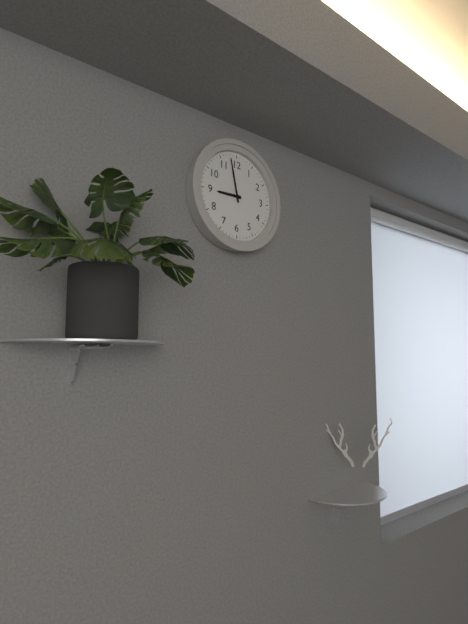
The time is {"hour": 8, "minute": 58}
